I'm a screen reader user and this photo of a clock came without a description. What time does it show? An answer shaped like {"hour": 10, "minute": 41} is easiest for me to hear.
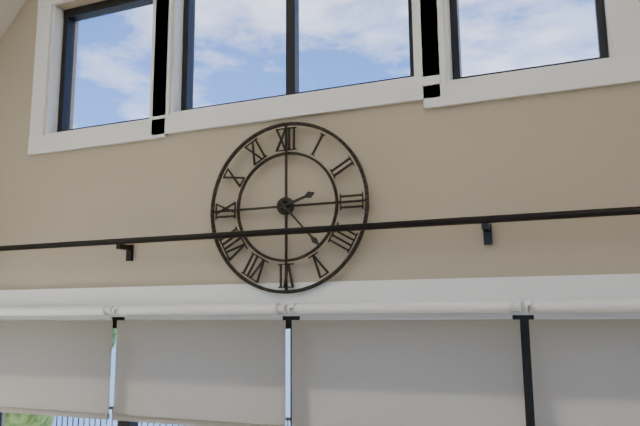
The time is {"hour": 2, "minute": 23}
